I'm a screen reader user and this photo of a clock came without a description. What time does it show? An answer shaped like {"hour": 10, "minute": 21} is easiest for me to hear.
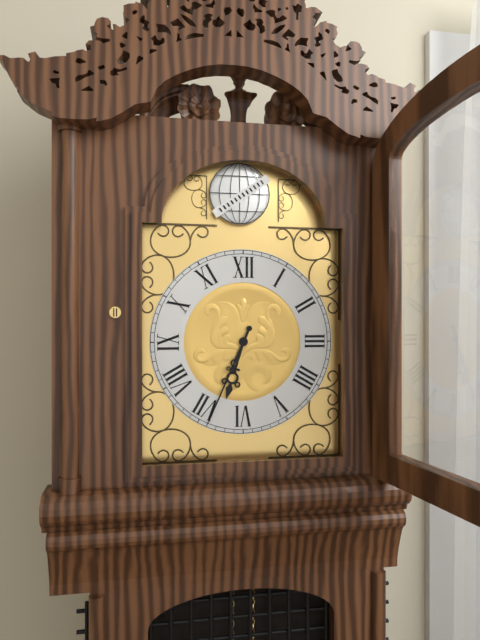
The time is {"hour": 6, "minute": 34}
